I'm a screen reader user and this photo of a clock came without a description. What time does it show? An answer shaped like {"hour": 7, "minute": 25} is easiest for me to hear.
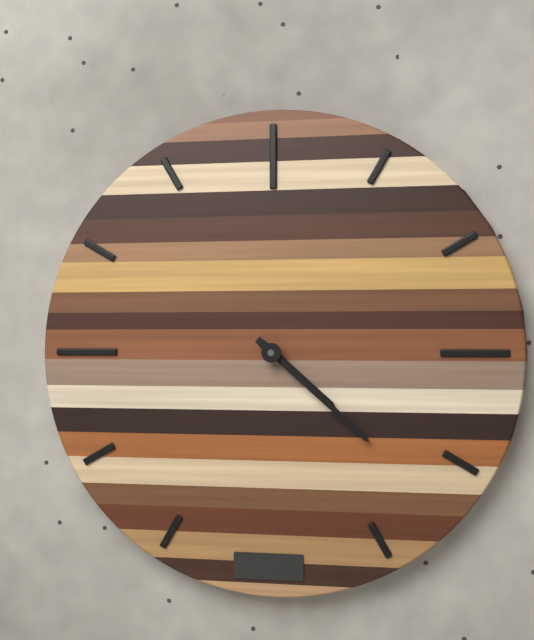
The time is {"hour": 4, "minute": 22}
